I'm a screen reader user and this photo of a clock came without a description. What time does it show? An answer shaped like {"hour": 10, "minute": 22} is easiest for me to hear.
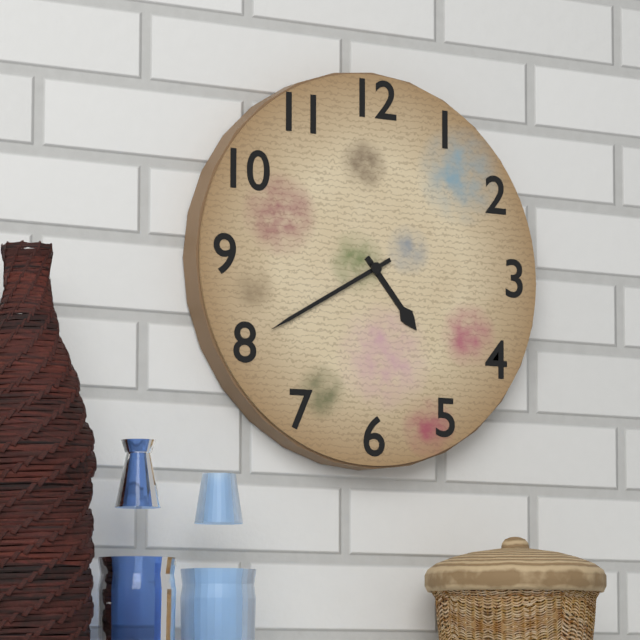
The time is {"hour": 4, "minute": 40}
